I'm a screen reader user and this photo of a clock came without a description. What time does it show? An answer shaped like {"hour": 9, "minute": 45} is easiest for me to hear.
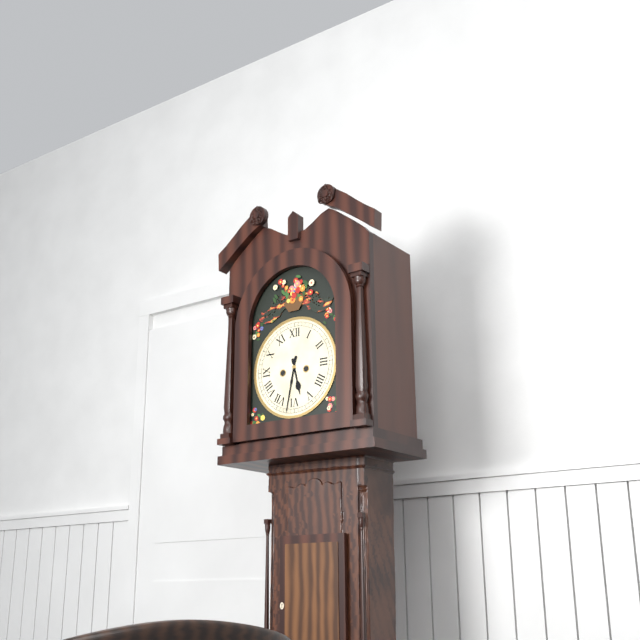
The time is {"hour": 5, "minute": 32}
